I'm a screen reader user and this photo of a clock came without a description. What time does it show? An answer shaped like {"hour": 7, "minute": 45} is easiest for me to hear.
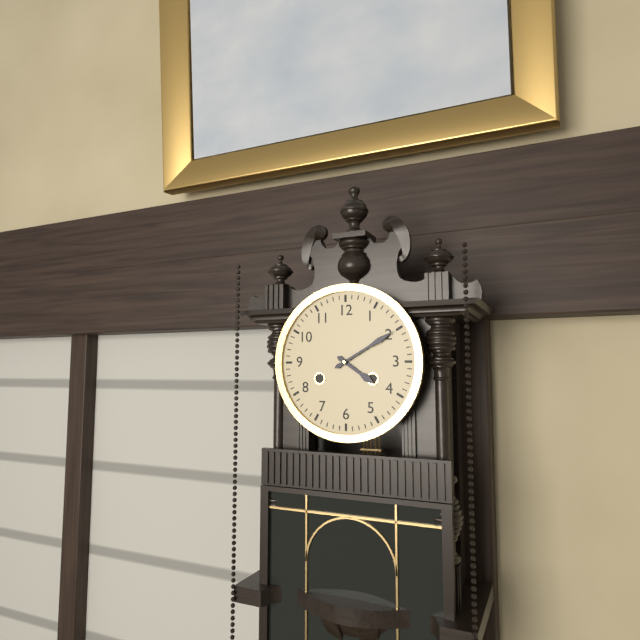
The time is {"hour": 4, "minute": 10}
